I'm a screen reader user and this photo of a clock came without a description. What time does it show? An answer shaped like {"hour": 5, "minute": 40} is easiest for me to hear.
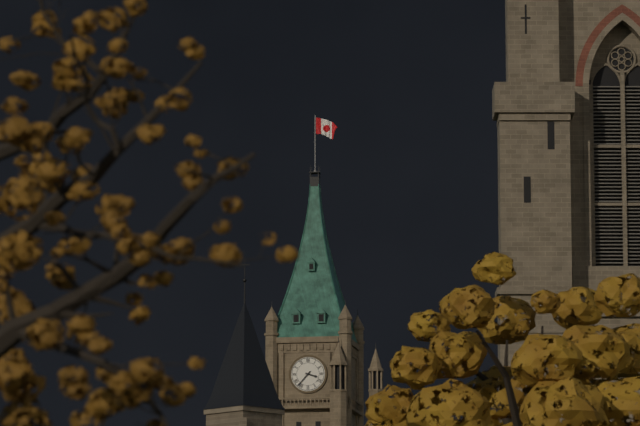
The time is {"hour": 3, "minute": 37}
